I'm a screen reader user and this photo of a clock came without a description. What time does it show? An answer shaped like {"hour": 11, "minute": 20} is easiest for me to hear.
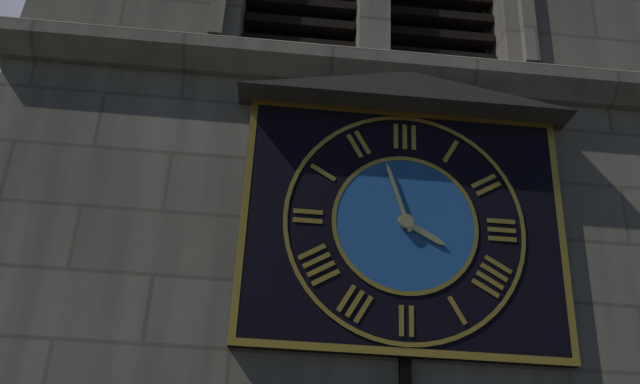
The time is {"hour": 3, "minute": 57}
